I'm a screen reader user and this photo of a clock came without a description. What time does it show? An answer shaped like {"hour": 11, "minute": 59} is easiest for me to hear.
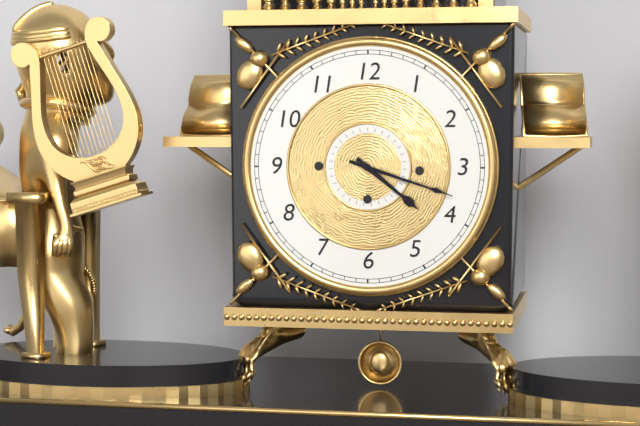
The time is {"hour": 4, "minute": 18}
